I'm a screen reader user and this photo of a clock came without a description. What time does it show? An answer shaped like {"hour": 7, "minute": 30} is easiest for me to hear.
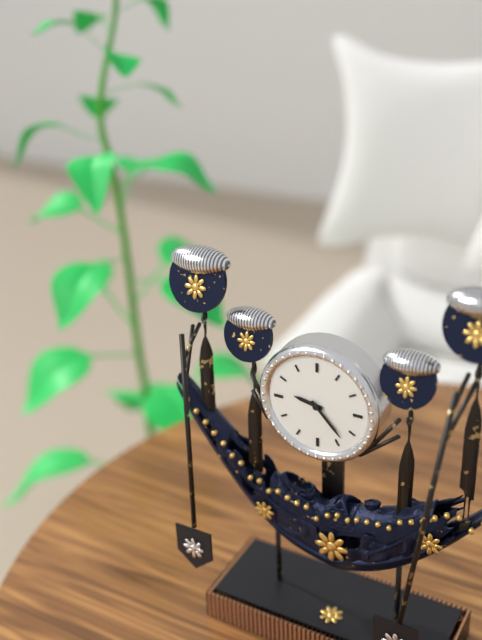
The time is {"hour": 9, "minute": 23}
